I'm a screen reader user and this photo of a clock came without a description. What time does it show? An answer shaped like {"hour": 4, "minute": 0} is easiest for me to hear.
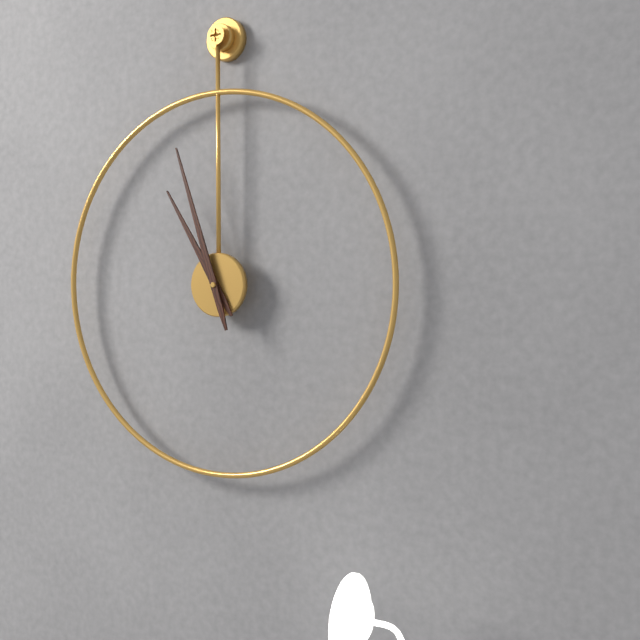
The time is {"hour": 10, "minute": 57}
